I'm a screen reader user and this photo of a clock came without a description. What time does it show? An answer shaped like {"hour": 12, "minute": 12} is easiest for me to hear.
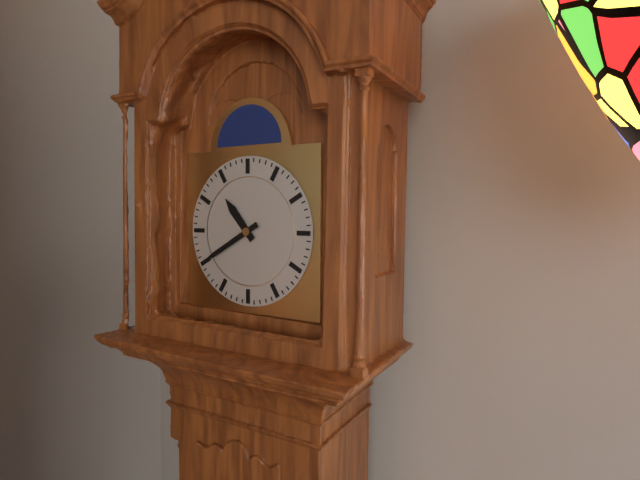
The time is {"hour": 10, "minute": 40}
